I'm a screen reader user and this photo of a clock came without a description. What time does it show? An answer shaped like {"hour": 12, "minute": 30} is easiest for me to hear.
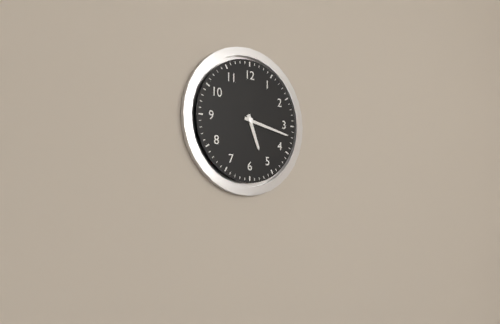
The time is {"hour": 5, "minute": 17}
